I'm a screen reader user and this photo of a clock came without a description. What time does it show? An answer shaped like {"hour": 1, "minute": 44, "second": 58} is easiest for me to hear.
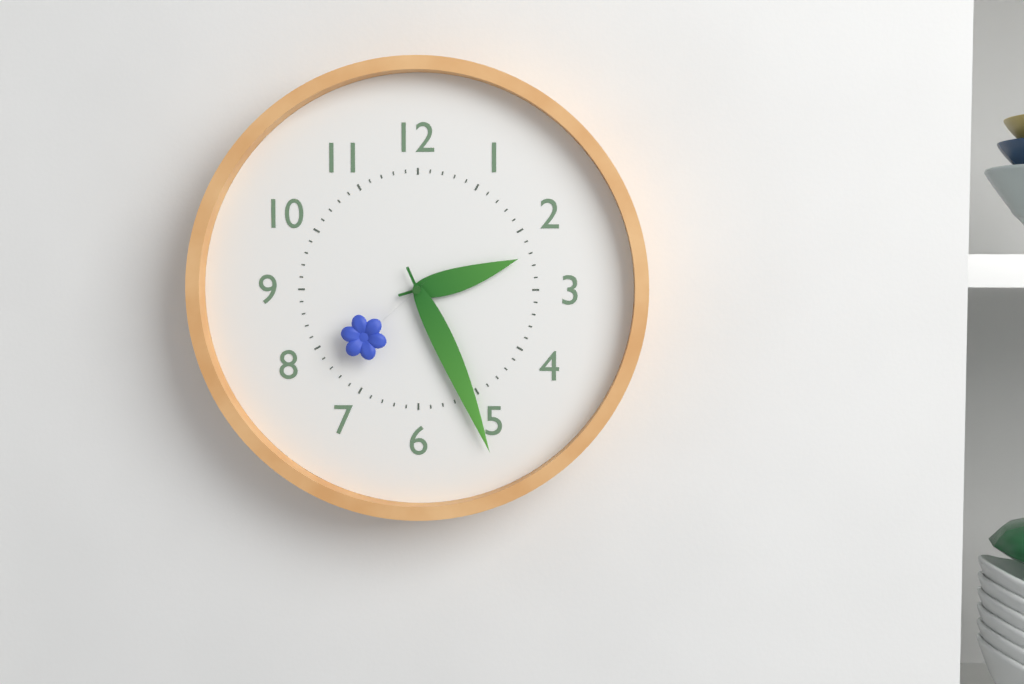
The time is {"hour": 2, "minute": 26, "second": 38}
